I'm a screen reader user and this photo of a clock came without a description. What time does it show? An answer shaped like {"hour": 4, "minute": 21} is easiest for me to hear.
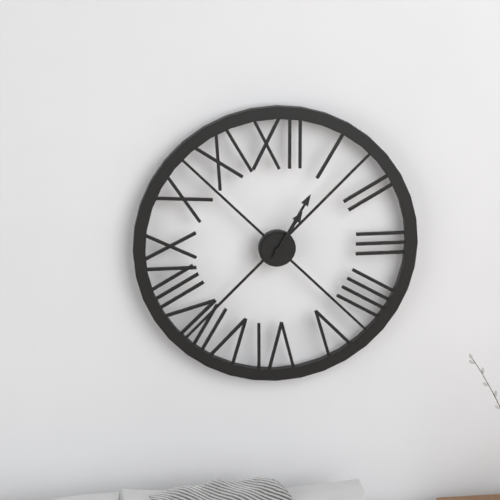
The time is {"hour": 1, "minute": 5}
